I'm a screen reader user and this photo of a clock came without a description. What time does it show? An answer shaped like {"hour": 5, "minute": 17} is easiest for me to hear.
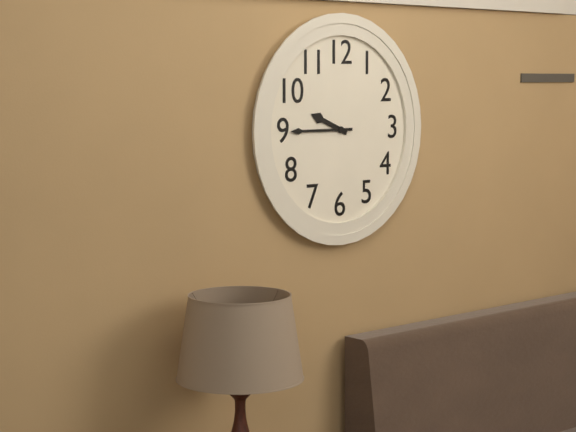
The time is {"hour": 9, "minute": 45}
